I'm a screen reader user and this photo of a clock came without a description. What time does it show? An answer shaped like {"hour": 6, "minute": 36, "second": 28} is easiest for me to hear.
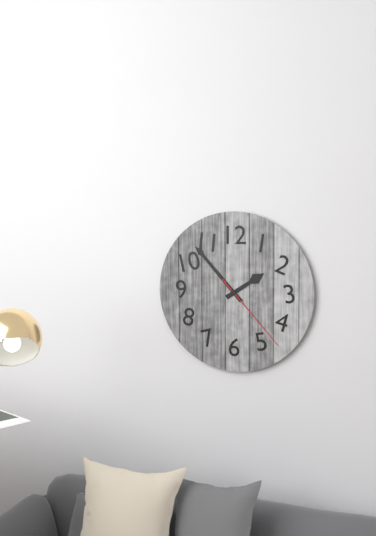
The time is {"hour": 1, "minute": 53, "second": 23}
